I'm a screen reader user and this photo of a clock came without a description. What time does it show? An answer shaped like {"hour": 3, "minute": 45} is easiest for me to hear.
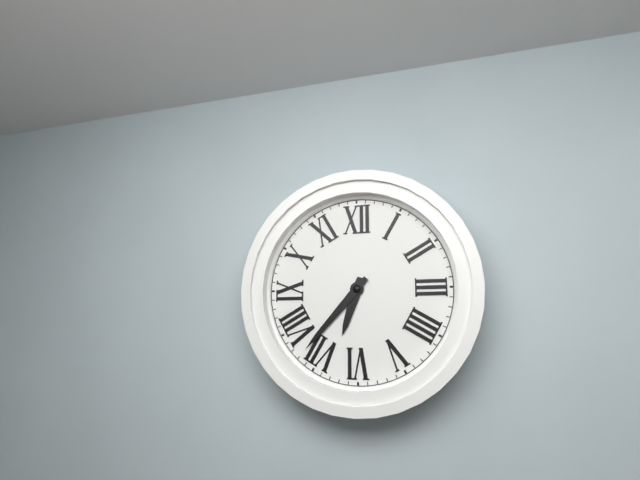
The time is {"hour": 6, "minute": 37}
